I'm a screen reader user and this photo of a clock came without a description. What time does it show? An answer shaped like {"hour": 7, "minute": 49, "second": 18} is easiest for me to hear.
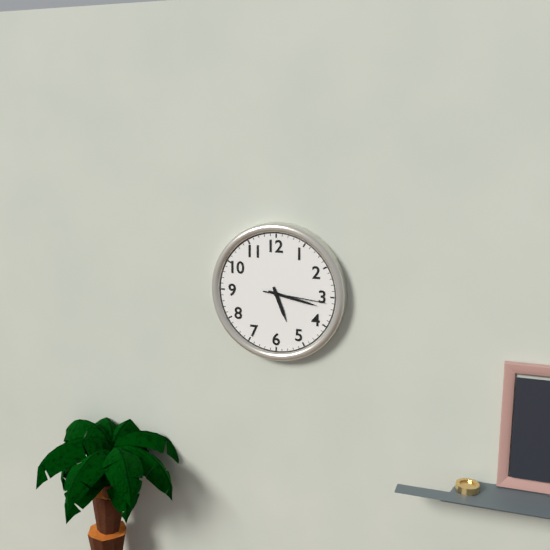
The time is {"hour": 5, "minute": 17, "second": 16}
